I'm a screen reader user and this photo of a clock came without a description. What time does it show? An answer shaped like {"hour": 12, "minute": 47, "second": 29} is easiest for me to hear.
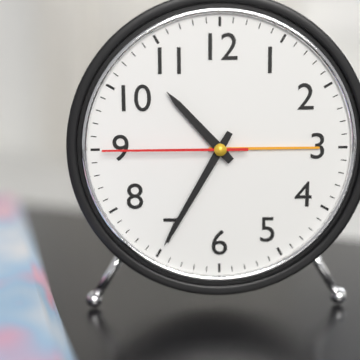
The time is {"hour": 10, "minute": 35, "second": 45}
